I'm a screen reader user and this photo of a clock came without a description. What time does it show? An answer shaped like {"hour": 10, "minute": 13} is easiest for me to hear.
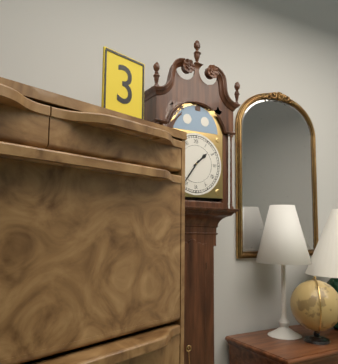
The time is {"hour": 1, "minute": 36}
